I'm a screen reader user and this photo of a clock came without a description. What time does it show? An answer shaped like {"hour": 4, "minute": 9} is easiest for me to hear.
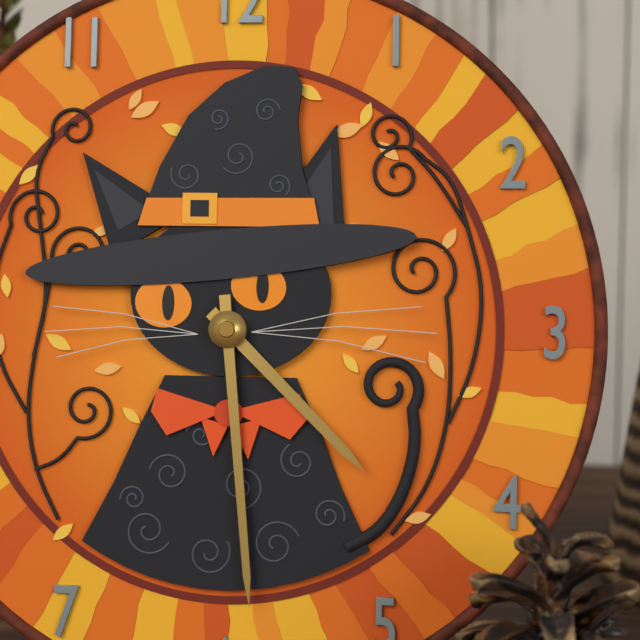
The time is {"hour": 4, "minute": 29}
